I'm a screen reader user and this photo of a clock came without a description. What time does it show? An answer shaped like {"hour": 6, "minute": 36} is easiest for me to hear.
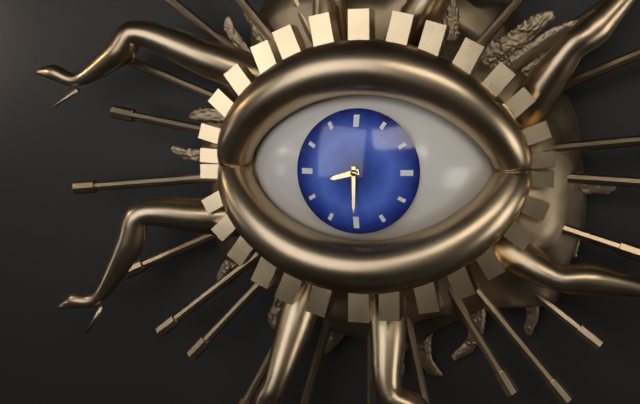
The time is {"hour": 8, "minute": 30}
